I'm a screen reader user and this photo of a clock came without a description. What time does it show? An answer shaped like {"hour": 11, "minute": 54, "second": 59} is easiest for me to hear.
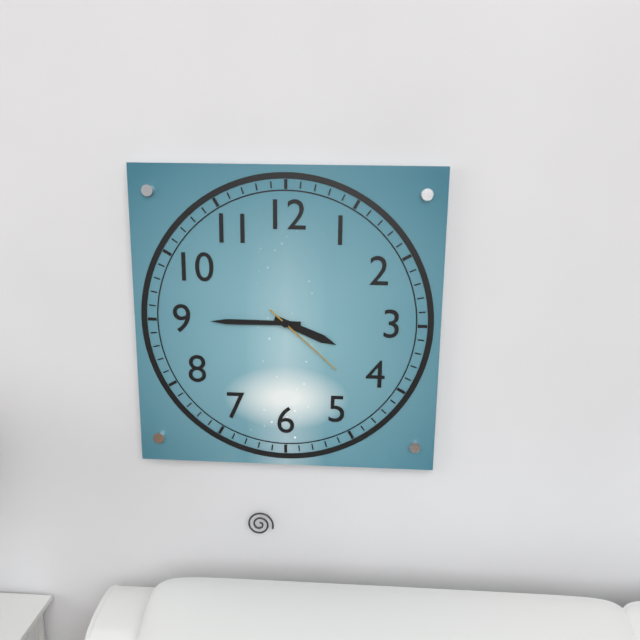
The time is {"hour": 3, "minute": 45, "second": 22}
